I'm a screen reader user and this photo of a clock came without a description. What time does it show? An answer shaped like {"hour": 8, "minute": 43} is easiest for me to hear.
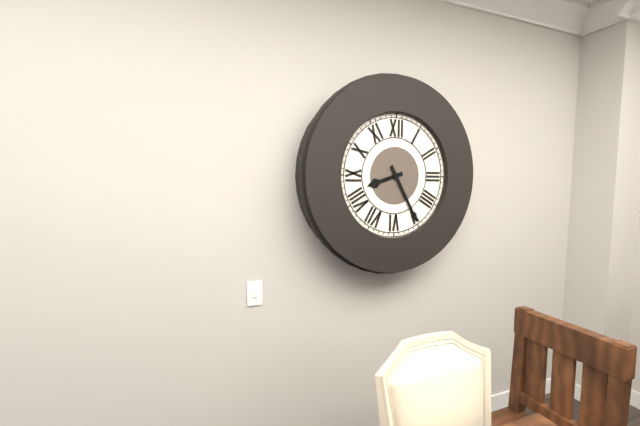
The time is {"hour": 8, "minute": 25}
